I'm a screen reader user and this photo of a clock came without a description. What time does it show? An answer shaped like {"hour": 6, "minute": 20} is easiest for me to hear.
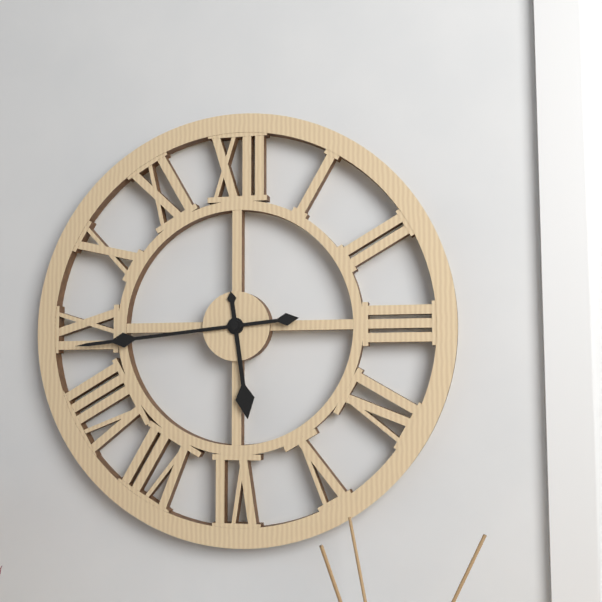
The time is {"hour": 5, "minute": 44}
